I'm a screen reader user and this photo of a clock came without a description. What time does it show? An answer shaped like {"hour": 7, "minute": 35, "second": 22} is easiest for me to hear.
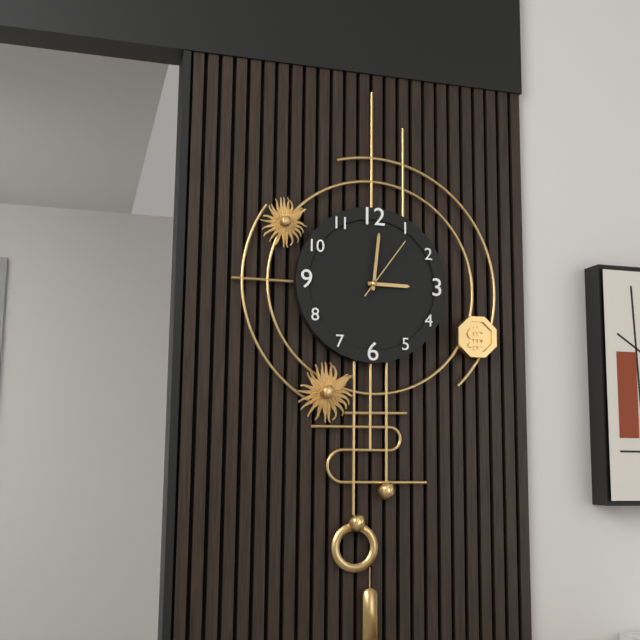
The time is {"hour": 3, "minute": 1, "second": 6}
